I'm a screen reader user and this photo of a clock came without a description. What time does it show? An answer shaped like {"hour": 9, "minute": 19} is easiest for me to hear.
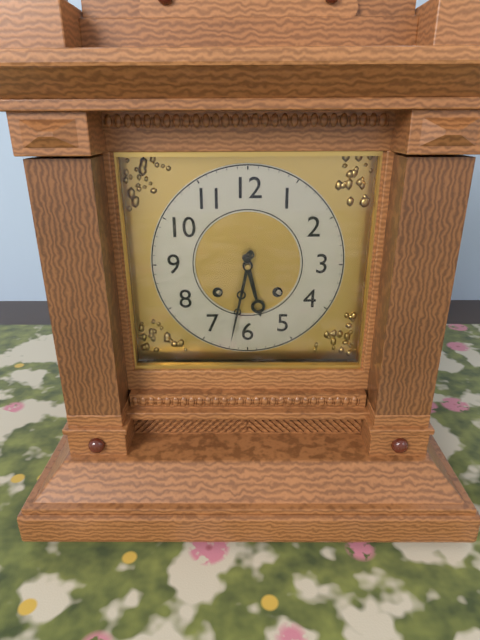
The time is {"hour": 5, "minute": 32}
